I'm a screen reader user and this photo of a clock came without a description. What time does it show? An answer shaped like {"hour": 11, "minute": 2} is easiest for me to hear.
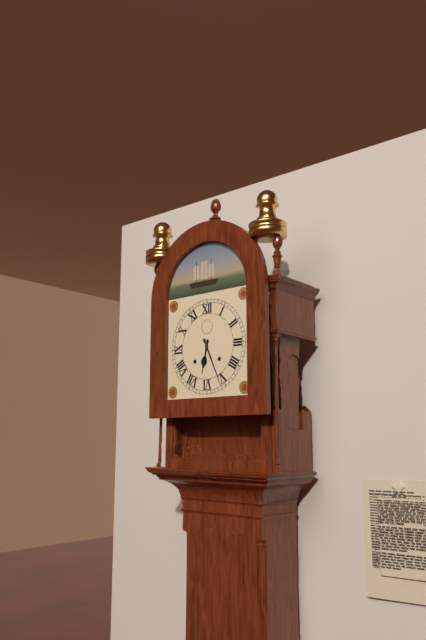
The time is {"hour": 6, "minute": 26}
